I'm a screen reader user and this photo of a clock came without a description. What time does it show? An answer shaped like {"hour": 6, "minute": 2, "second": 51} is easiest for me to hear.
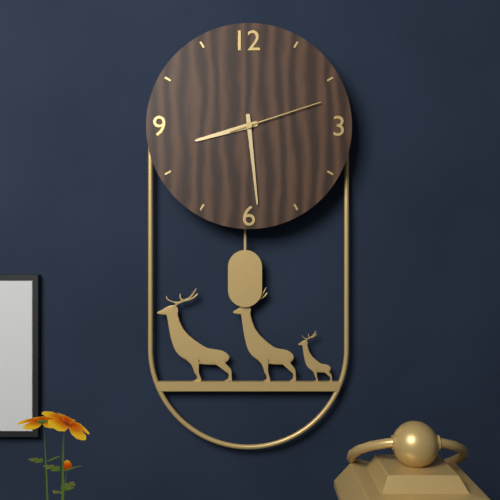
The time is {"hour": 8, "minute": 29, "second": 12}
